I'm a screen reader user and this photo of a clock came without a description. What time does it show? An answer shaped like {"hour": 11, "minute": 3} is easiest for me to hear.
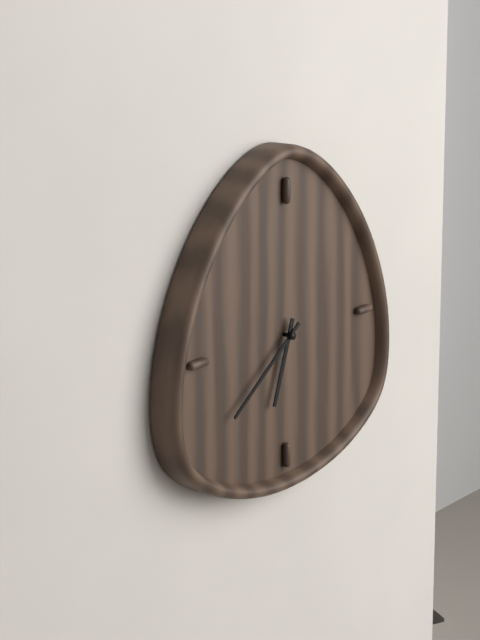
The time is {"hour": 6, "minute": 39}
